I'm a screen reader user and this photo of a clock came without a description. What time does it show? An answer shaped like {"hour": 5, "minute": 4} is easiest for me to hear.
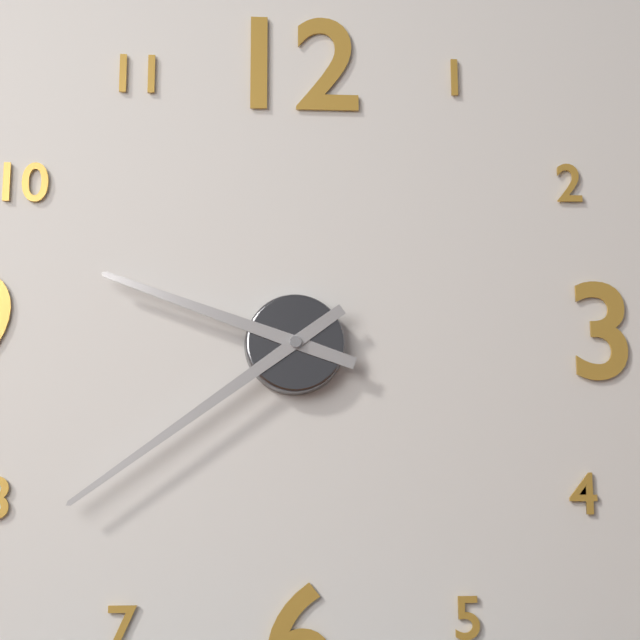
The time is {"hour": 9, "minute": 39}
